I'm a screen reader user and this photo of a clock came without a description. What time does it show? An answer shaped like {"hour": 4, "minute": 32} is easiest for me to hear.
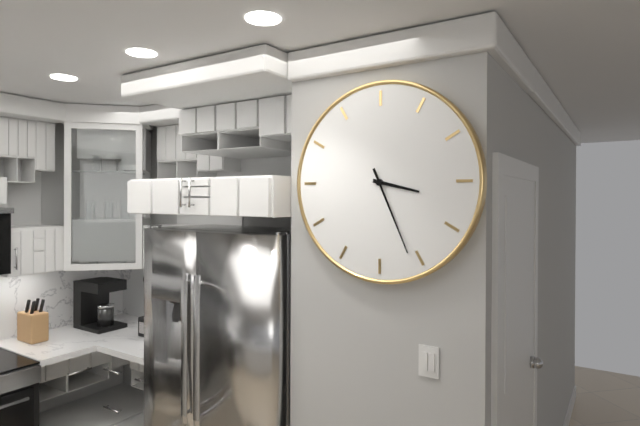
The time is {"hour": 3, "minute": 26}
